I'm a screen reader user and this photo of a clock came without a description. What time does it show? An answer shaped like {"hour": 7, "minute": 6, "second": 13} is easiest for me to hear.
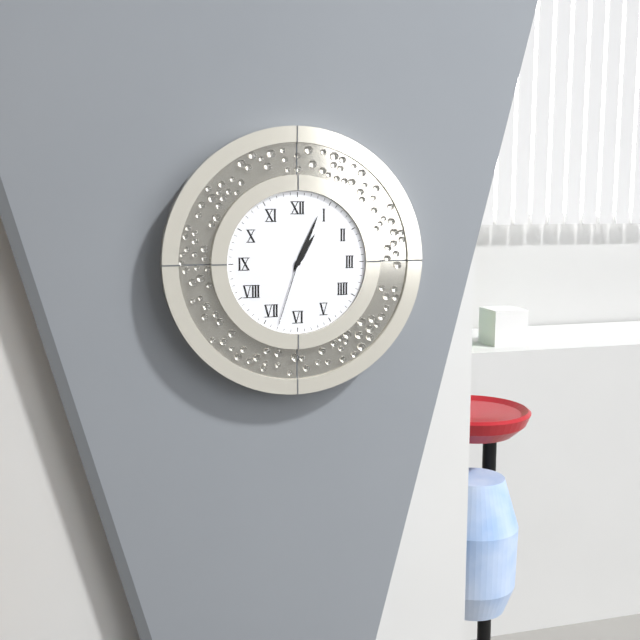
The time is {"hour": 1, "minute": 4, "second": 33}
